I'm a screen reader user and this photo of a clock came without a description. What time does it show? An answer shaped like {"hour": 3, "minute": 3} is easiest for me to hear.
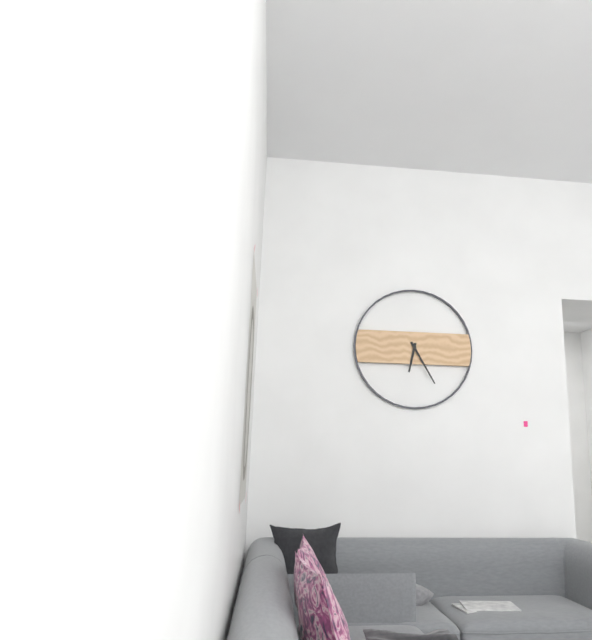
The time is {"hour": 6, "minute": 25}
